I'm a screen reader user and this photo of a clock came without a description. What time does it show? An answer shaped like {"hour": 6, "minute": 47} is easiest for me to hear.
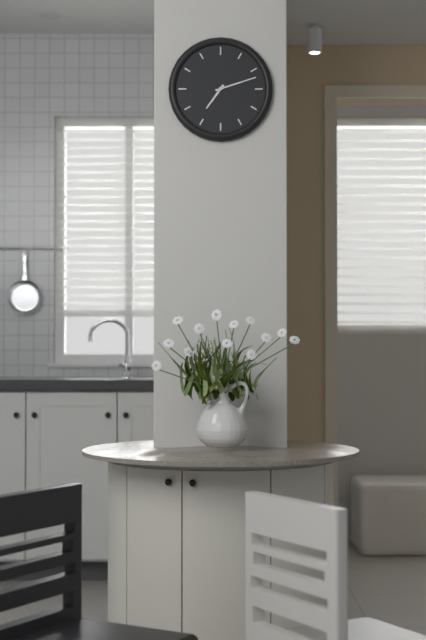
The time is {"hour": 7, "minute": 12}
